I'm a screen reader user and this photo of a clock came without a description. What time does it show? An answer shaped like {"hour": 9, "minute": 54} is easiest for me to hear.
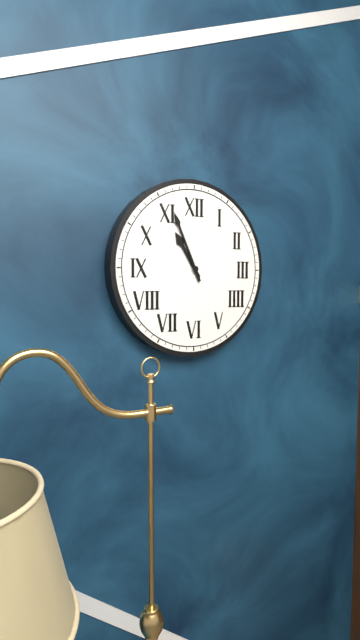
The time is {"hour": 10, "minute": 56}
